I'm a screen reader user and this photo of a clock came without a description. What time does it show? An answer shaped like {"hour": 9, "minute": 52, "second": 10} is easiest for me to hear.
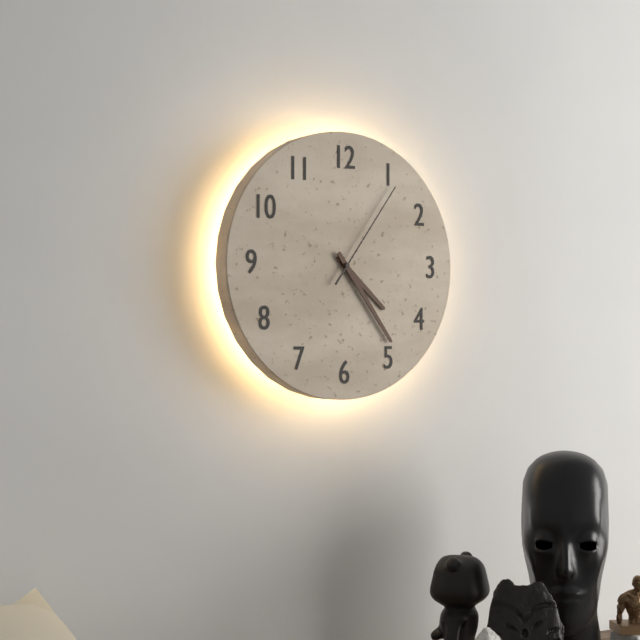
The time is {"hour": 4, "minute": 24, "second": 6}
